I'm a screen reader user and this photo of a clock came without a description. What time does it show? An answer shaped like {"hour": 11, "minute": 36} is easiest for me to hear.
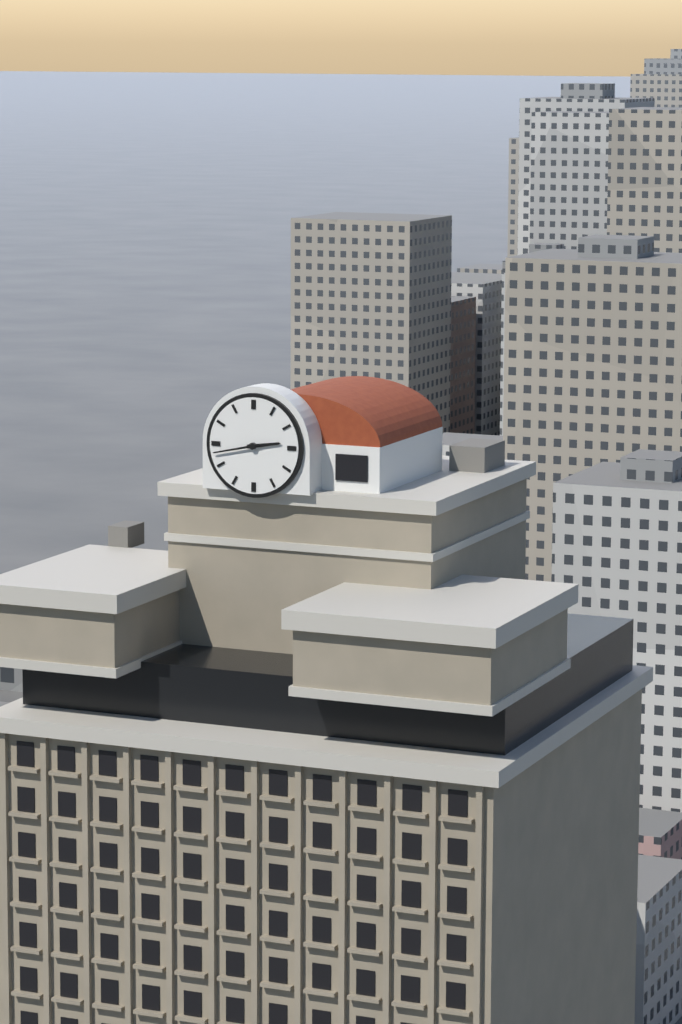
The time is {"hour": 2, "minute": 43}
